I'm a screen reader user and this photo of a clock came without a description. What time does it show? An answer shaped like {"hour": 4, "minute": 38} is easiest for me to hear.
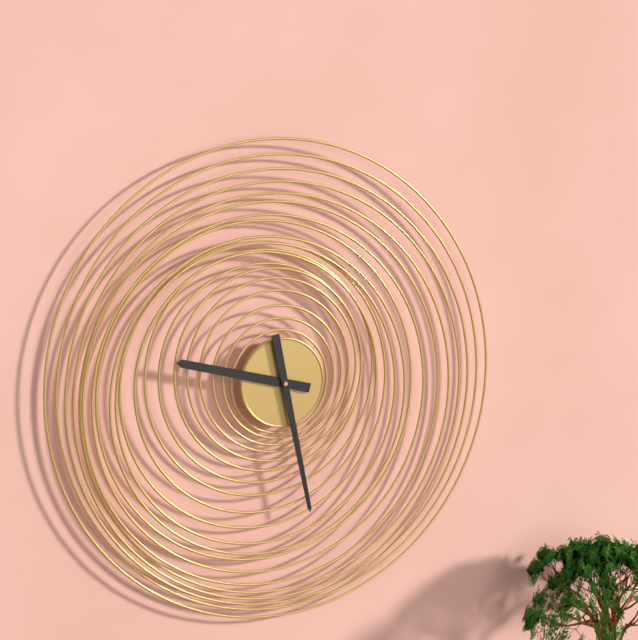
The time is {"hour": 9, "minute": 28}
